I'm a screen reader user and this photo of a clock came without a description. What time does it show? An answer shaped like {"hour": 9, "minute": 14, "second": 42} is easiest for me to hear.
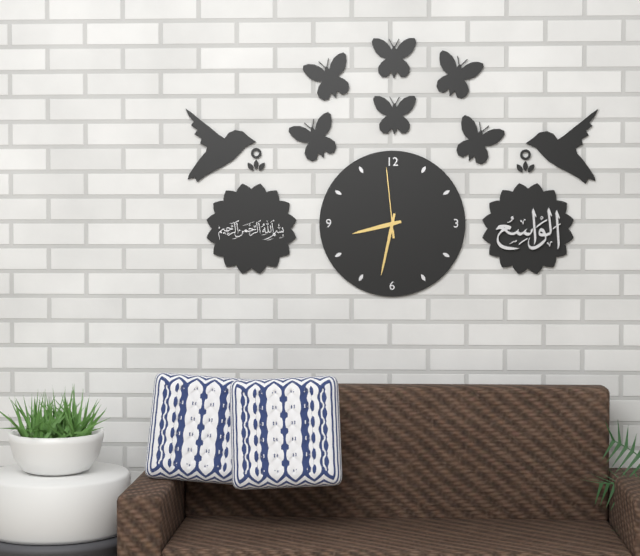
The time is {"hour": 8, "minute": 32, "second": 59}
